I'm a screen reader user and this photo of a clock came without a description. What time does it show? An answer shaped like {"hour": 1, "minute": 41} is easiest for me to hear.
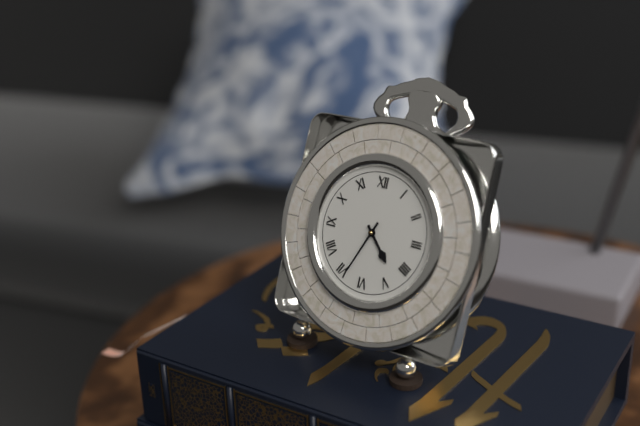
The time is {"hour": 4, "minute": 34}
